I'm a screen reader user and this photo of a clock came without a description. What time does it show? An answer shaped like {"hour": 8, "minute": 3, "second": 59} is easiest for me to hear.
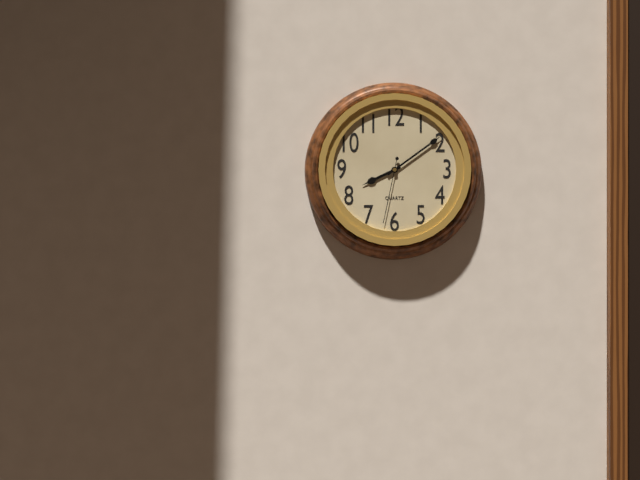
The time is {"hour": 8, "minute": 9, "second": 32}
